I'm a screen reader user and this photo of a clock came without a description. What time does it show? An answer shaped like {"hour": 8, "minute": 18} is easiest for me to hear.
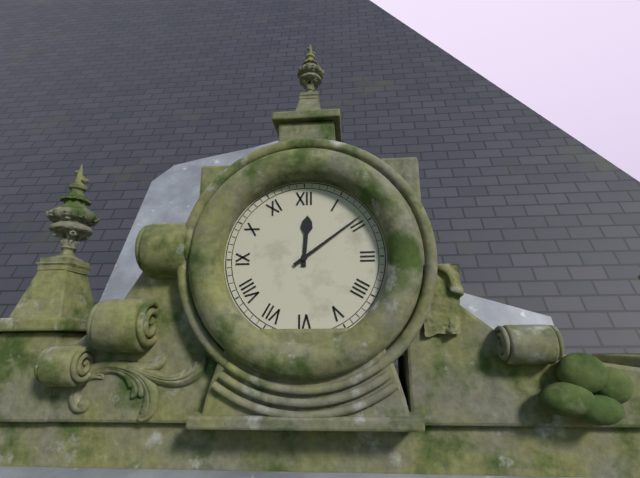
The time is {"hour": 12, "minute": 9}
